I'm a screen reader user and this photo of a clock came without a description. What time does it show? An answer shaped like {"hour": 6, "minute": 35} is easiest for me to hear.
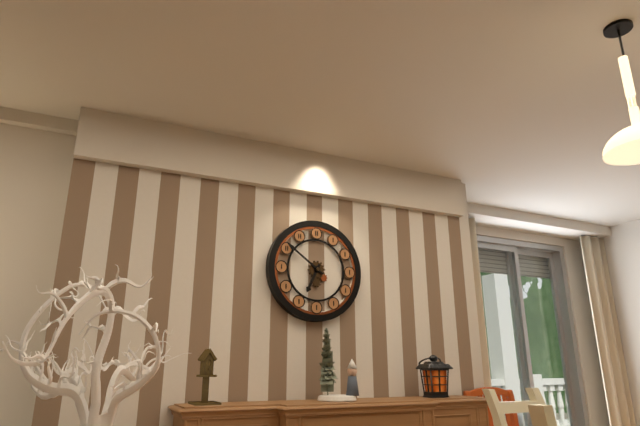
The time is {"hour": 6, "minute": 51}
